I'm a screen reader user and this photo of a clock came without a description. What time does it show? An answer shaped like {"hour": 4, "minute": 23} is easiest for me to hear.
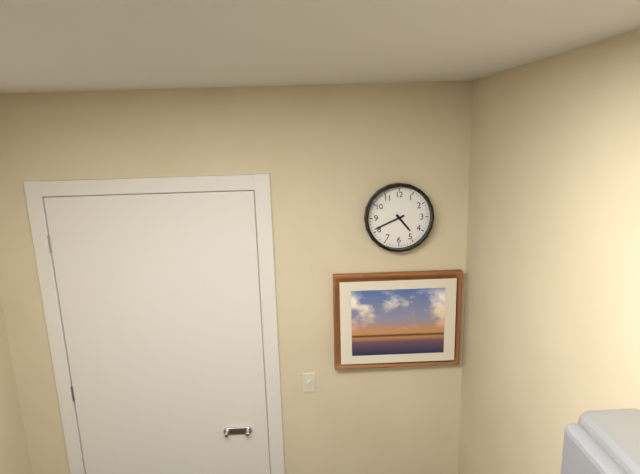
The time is {"hour": 4, "minute": 41}
